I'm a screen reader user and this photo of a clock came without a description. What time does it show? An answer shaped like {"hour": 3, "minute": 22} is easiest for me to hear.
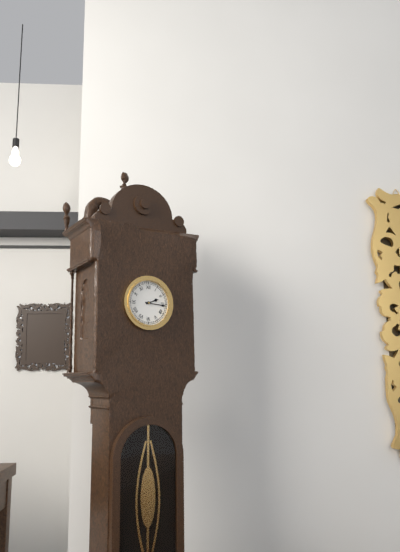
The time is {"hour": 2, "minute": 16}
